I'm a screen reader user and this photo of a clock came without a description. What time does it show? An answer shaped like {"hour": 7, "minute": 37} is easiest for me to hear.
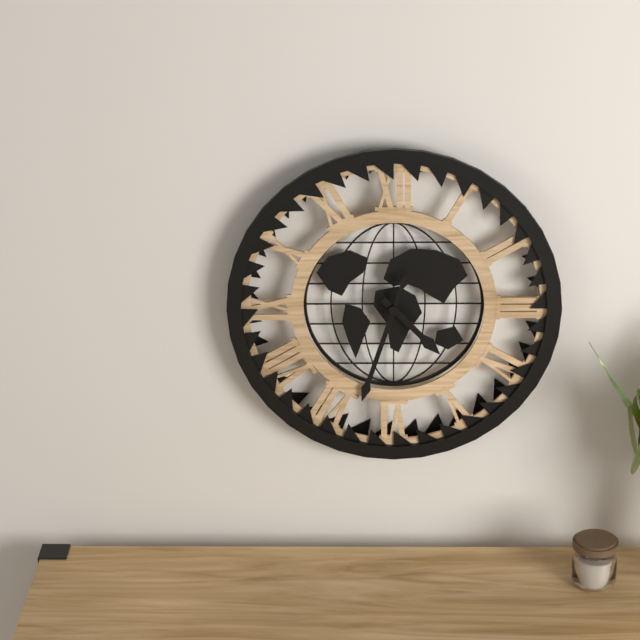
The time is {"hour": 4, "minute": 33}
